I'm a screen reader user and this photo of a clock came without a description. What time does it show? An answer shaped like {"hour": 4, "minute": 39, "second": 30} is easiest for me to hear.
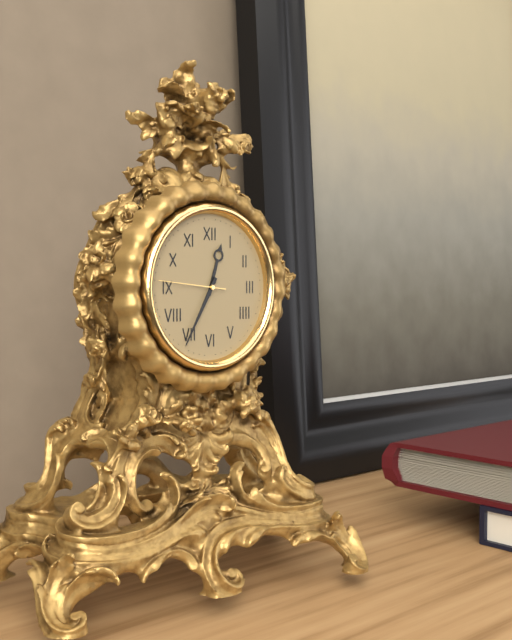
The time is {"hour": 12, "minute": 35, "second": 46}
